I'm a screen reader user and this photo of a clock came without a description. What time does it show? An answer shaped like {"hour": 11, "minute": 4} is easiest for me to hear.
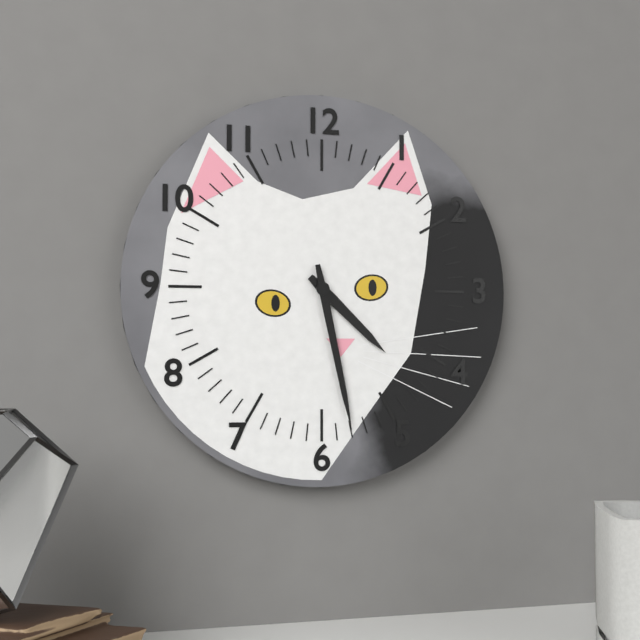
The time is {"hour": 4, "minute": 28}
